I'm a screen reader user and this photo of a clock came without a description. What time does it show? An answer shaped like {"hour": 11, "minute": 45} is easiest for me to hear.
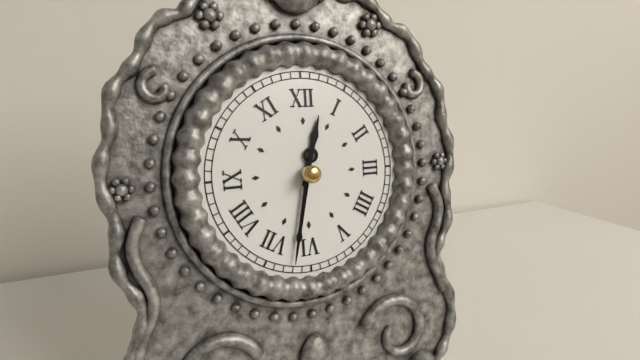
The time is {"hour": 12, "minute": 32}
